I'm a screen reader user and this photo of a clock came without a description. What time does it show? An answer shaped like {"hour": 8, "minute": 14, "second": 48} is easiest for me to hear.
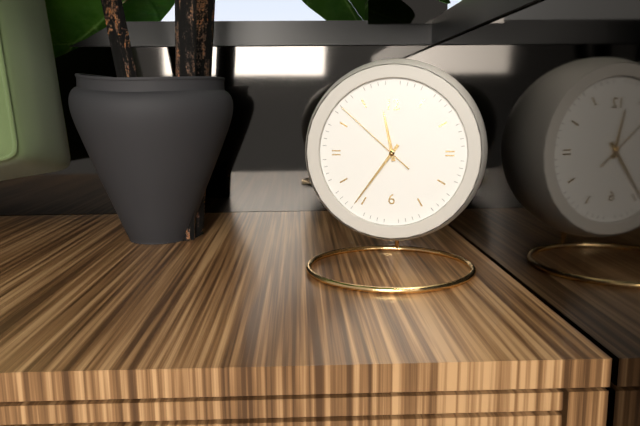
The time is {"hour": 11, "minute": 36, "second": 52}
